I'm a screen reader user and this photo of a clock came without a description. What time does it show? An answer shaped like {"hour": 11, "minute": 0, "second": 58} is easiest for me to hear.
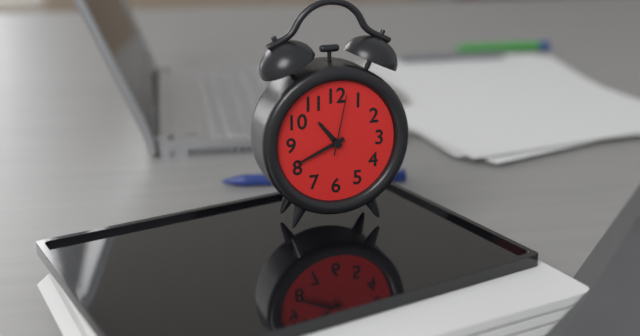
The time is {"hour": 10, "minute": 41, "second": 2}
